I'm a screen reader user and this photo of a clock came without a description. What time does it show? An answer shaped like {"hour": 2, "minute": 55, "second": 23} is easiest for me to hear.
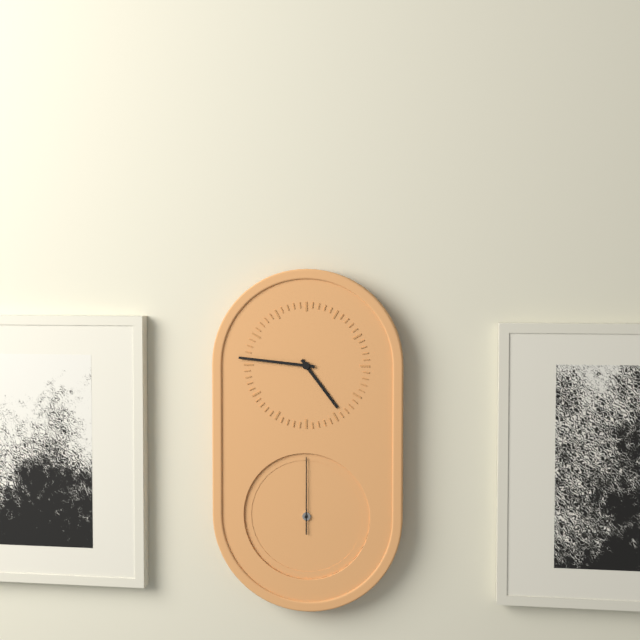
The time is {"hour": 4, "minute": 46, "second": 0}
